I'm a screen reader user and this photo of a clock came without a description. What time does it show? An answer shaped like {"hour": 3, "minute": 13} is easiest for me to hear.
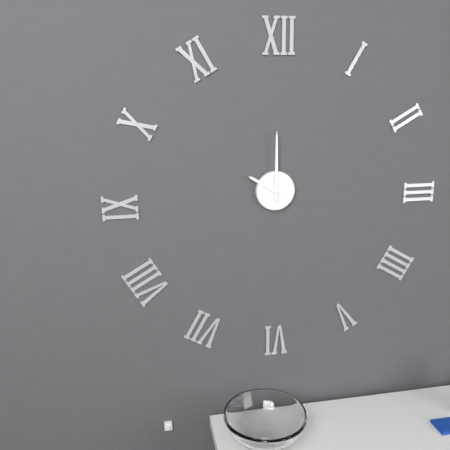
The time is {"hour": 10, "minute": 0}
